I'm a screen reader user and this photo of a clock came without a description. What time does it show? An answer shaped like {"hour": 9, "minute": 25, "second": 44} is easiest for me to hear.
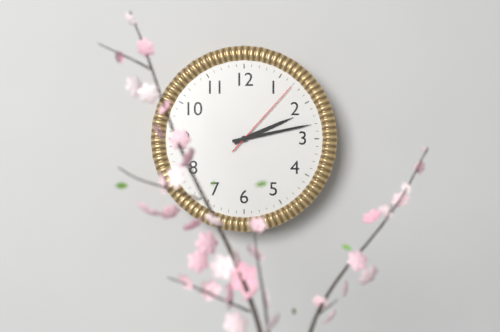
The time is {"hour": 2, "minute": 13, "second": 7}
